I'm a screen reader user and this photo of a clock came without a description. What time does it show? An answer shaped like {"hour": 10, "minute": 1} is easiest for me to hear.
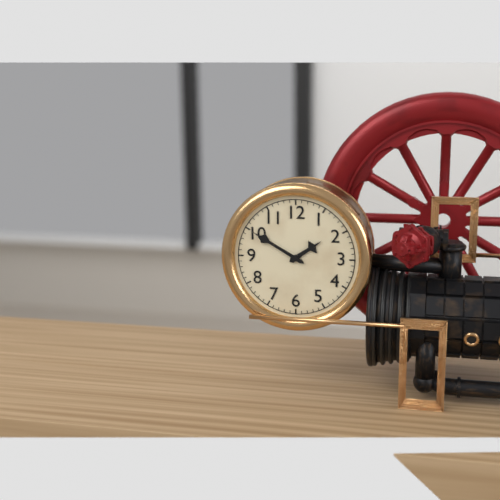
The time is {"hour": 1, "minute": 50}
